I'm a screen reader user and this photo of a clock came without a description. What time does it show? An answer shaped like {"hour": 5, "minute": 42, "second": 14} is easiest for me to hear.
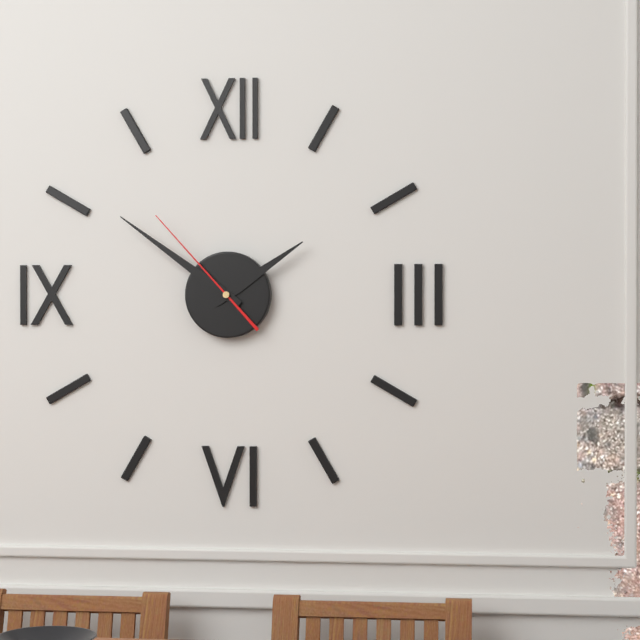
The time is {"hour": 1, "minute": 51, "second": 53}
